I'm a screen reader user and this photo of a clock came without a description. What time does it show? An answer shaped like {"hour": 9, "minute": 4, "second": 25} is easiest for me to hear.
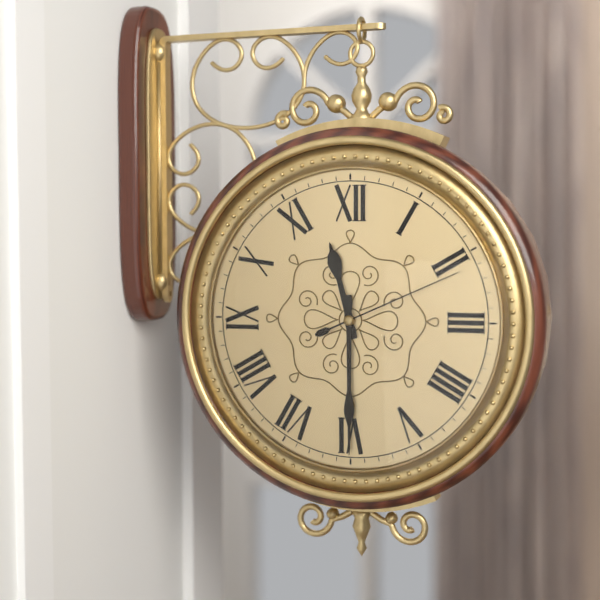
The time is {"hour": 11, "minute": 30, "second": 11}
